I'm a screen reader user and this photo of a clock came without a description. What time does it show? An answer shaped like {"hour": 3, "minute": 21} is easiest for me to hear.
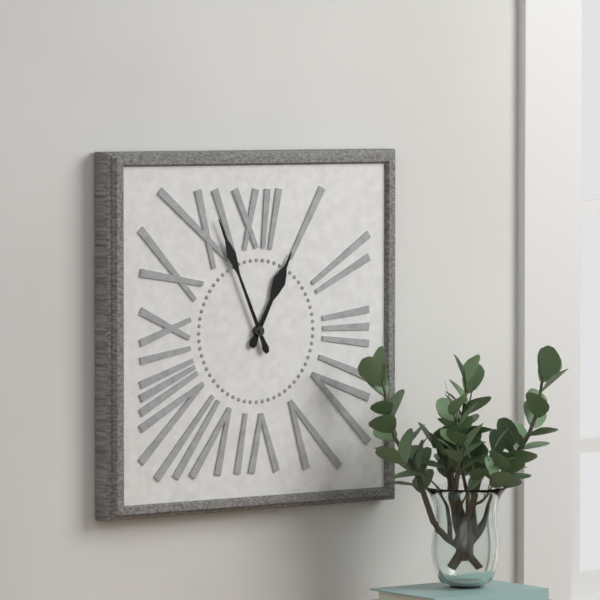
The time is {"hour": 12, "minute": 56}
